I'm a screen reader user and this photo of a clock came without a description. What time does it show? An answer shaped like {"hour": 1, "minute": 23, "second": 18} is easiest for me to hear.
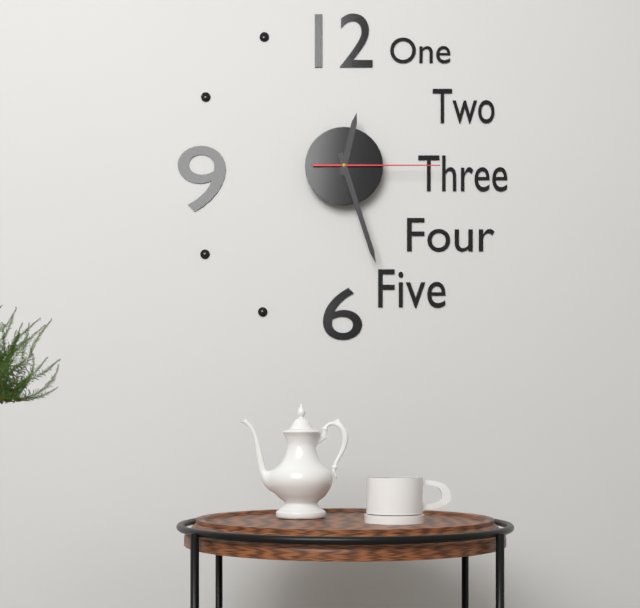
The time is {"hour": 12, "minute": 27, "second": 15}
